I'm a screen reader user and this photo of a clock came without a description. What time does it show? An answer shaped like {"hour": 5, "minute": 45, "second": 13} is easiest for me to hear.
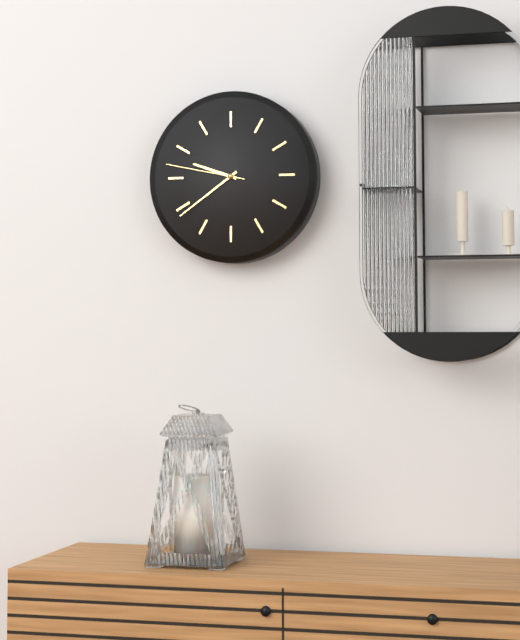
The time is {"hour": 9, "minute": 39, "second": 47}
